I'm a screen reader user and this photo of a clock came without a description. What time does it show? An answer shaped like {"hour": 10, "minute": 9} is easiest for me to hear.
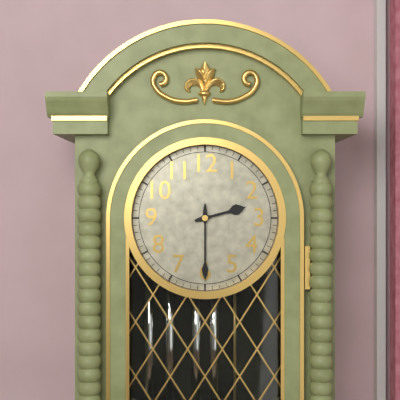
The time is {"hour": 2, "minute": 30}
